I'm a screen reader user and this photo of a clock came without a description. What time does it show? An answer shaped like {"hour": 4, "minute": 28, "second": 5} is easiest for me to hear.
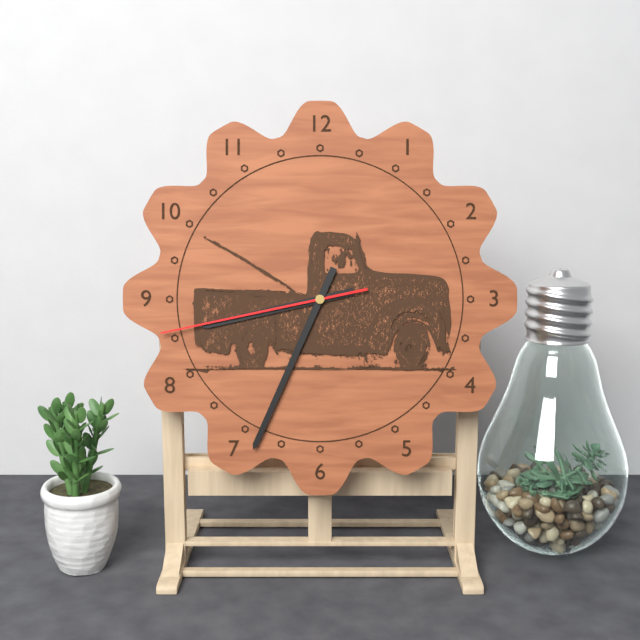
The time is {"hour": 8, "minute": 34, "second": 43}
